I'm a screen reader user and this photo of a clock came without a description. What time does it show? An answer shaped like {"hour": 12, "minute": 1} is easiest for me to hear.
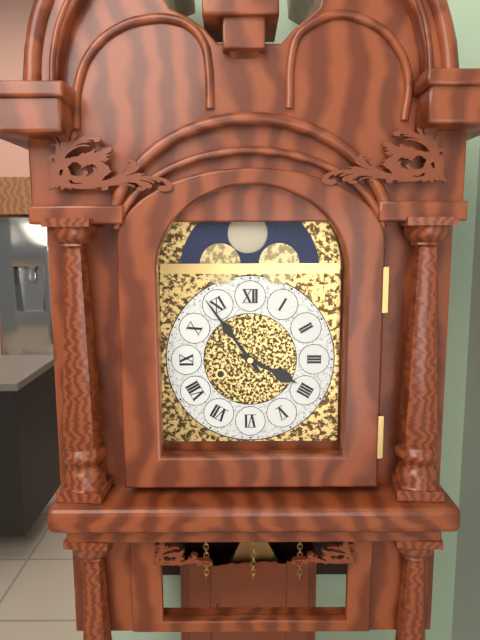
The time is {"hour": 3, "minute": 54}
